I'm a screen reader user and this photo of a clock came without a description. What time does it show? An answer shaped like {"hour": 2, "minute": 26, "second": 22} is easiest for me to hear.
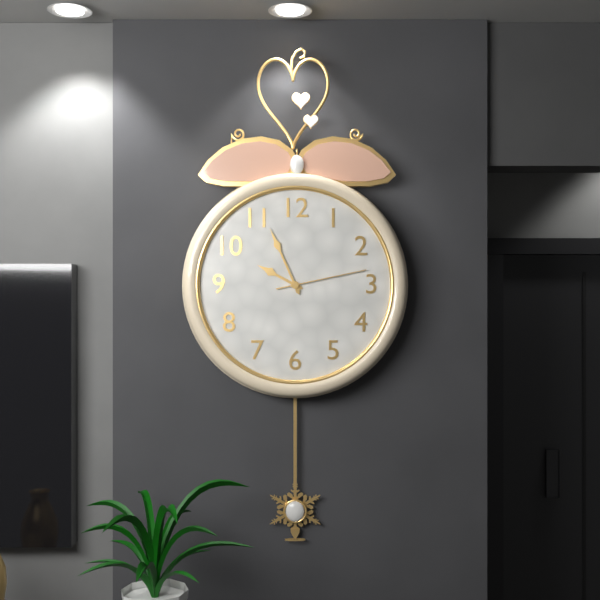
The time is {"hour": 9, "minute": 56, "second": 13}
